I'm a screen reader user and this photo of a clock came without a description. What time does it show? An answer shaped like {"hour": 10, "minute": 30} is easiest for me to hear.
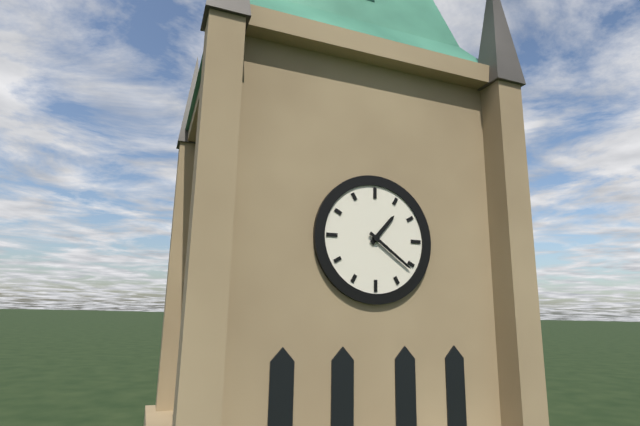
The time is {"hour": 1, "minute": 21}
